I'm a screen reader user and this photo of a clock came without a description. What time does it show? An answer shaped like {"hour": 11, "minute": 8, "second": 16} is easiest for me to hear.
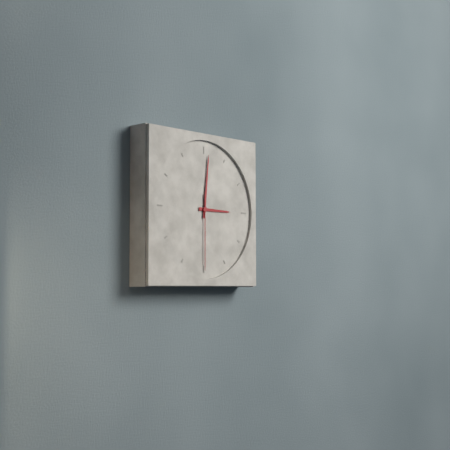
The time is {"hour": 3, "minute": 1, "second": 30}
